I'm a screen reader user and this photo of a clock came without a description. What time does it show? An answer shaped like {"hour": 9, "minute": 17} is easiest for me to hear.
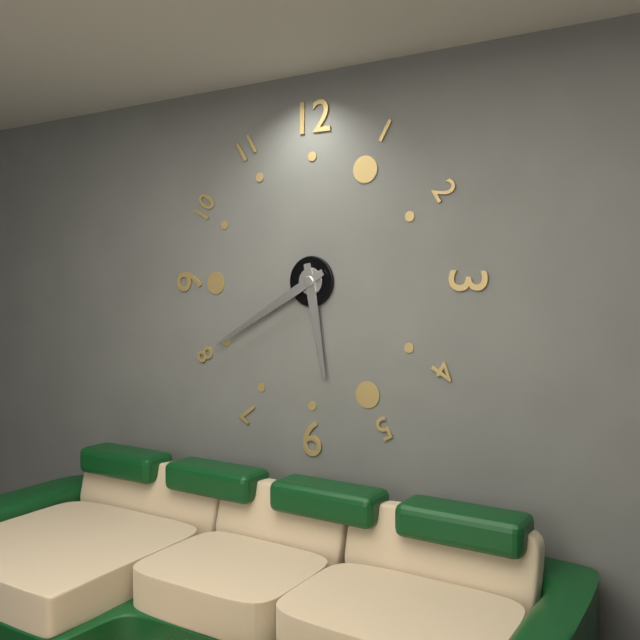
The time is {"hour": 5, "minute": 40}
